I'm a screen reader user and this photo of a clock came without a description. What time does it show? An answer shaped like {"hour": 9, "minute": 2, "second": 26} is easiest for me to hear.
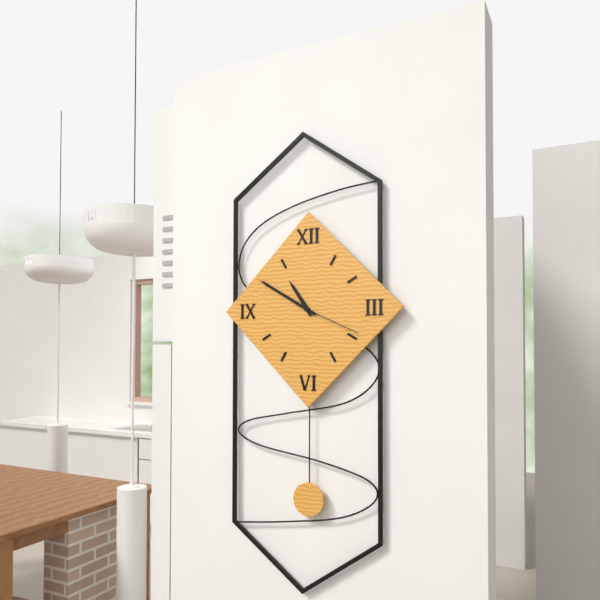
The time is {"hour": 10, "minute": 50, "second": 19}
